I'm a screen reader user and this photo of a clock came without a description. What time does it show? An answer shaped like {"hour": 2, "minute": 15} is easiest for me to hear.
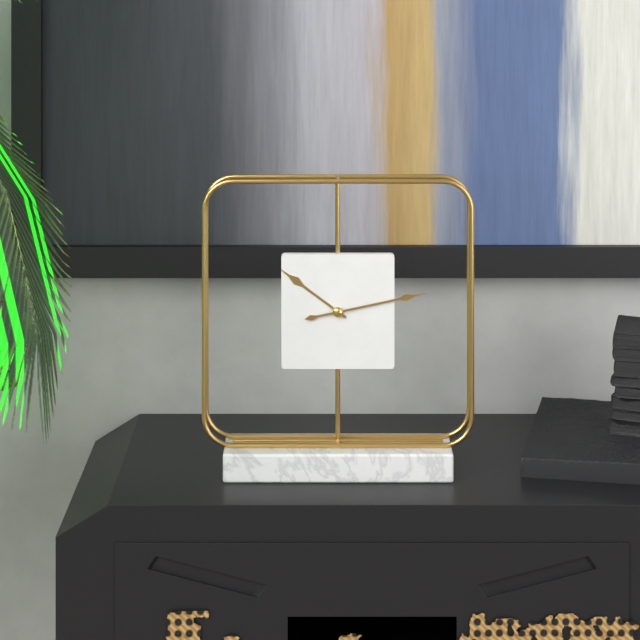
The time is {"hour": 10, "minute": 13}
